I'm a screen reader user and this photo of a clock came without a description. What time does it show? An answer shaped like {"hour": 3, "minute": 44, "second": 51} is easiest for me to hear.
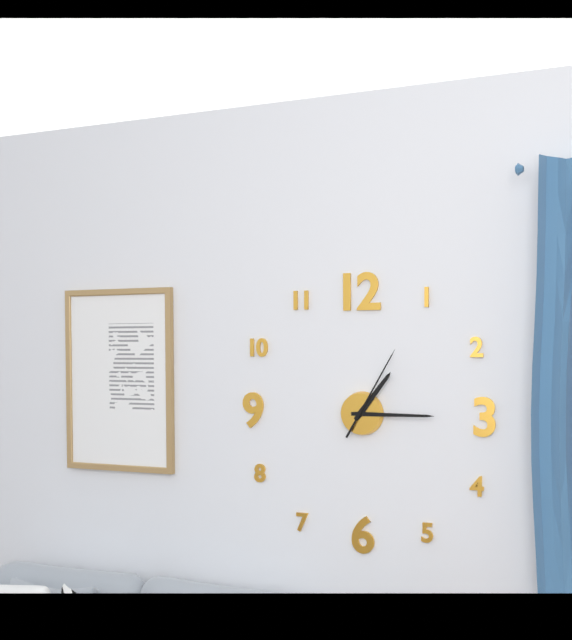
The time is {"hour": 1, "minute": 15, "second": 5}
